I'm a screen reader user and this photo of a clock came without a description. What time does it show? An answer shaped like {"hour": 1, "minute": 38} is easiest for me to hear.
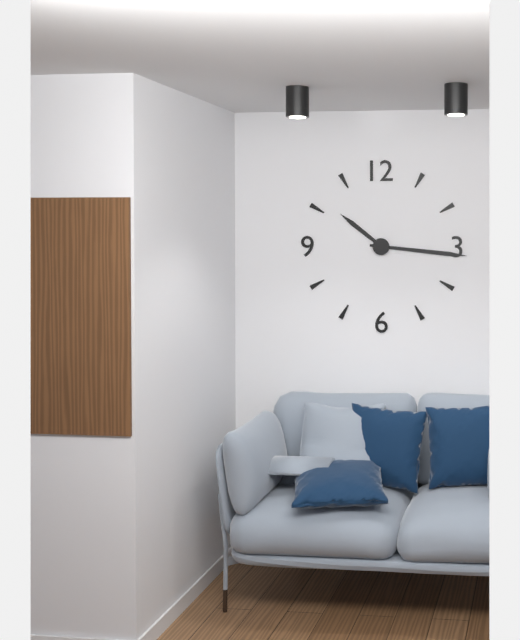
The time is {"hour": 10, "minute": 16}
